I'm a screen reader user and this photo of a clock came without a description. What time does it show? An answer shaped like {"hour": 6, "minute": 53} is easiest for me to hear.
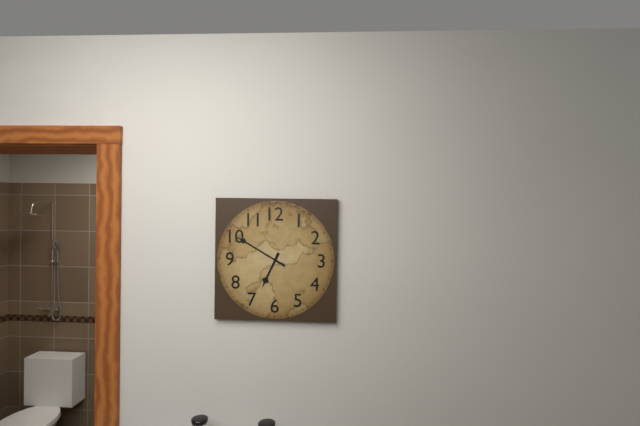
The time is {"hour": 6, "minute": 50}
